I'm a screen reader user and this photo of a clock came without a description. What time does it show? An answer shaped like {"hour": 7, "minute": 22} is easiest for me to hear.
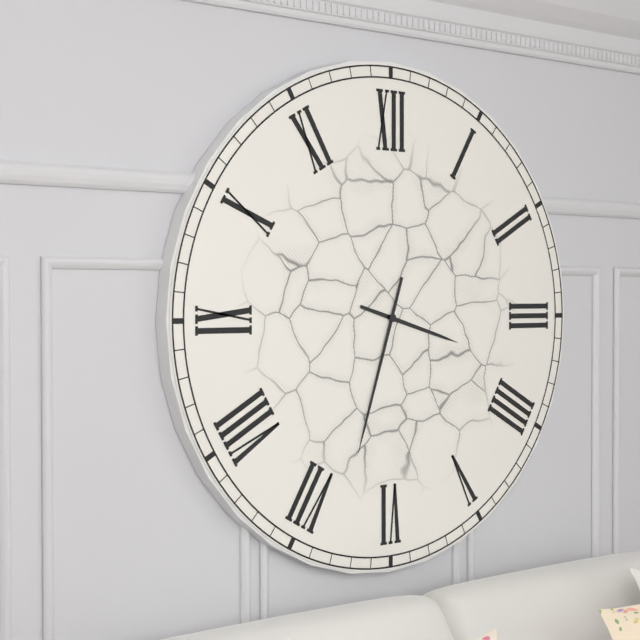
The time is {"hour": 3, "minute": 33}
